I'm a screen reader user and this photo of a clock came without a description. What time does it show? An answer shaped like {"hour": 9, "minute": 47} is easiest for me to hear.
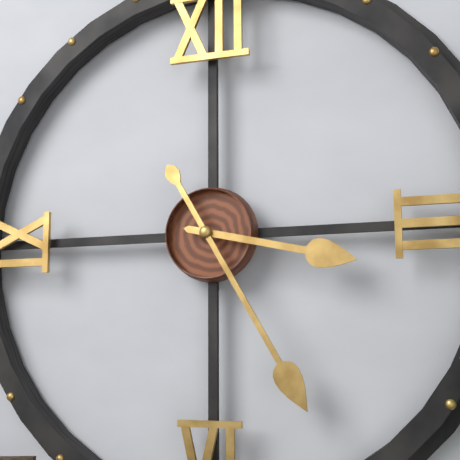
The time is {"hour": 3, "minute": 25}
